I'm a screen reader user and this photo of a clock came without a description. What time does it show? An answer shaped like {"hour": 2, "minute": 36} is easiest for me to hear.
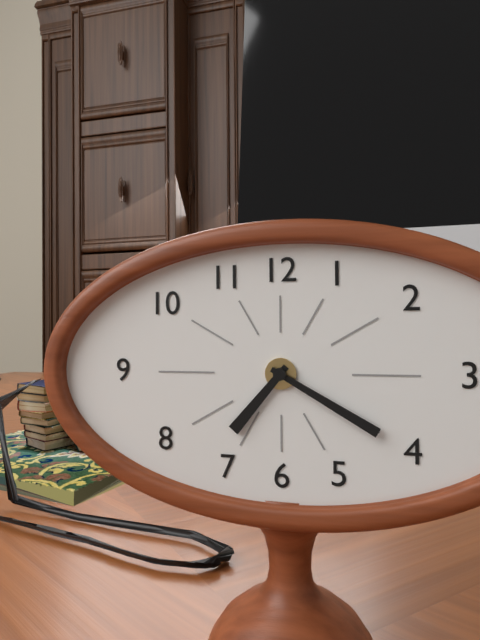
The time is {"hour": 7, "minute": 20}
